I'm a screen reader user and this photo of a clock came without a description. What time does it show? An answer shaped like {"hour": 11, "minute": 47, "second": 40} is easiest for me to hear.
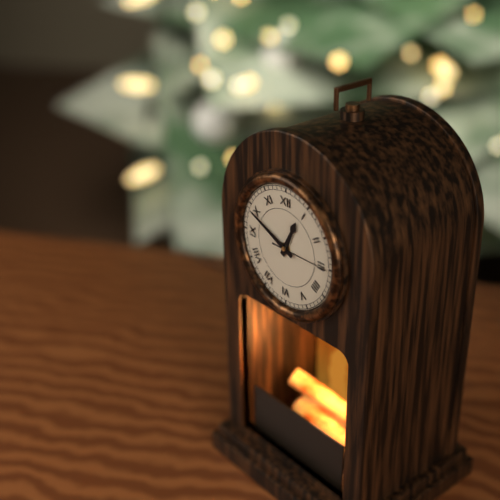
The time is {"hour": 12, "minute": 49, "second": 15}
